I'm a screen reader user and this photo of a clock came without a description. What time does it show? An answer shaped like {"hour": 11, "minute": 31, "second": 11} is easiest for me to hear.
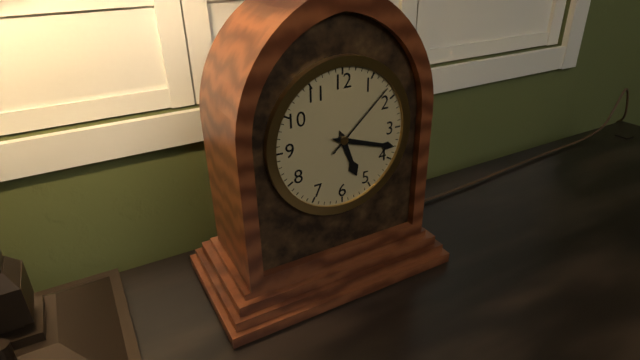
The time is {"hour": 5, "minute": 18, "second": 8}
